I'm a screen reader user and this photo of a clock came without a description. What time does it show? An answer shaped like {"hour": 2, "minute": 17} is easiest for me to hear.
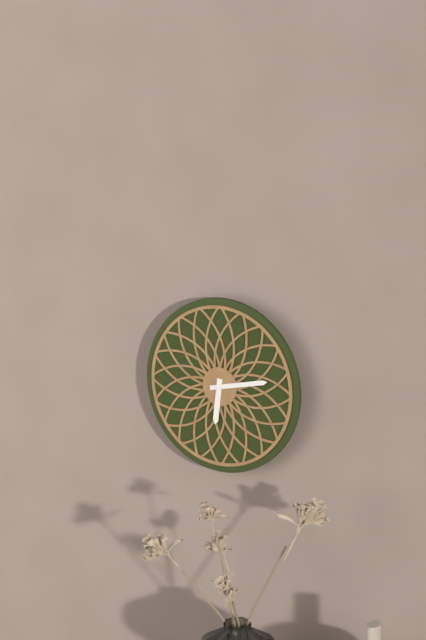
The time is {"hour": 6, "minute": 13}
